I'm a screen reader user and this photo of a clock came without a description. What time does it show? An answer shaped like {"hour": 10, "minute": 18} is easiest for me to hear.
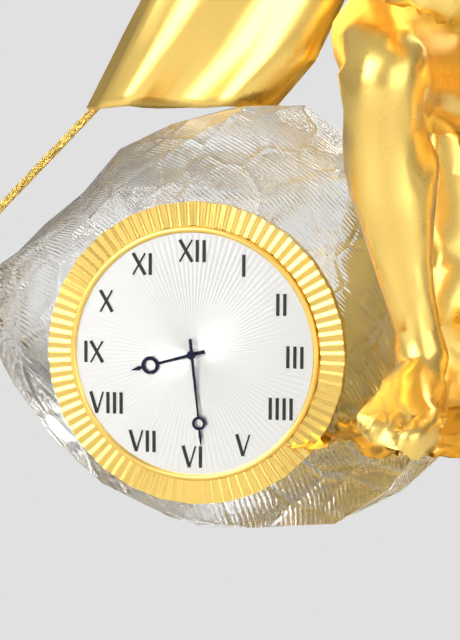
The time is {"hour": 8, "minute": 29}
